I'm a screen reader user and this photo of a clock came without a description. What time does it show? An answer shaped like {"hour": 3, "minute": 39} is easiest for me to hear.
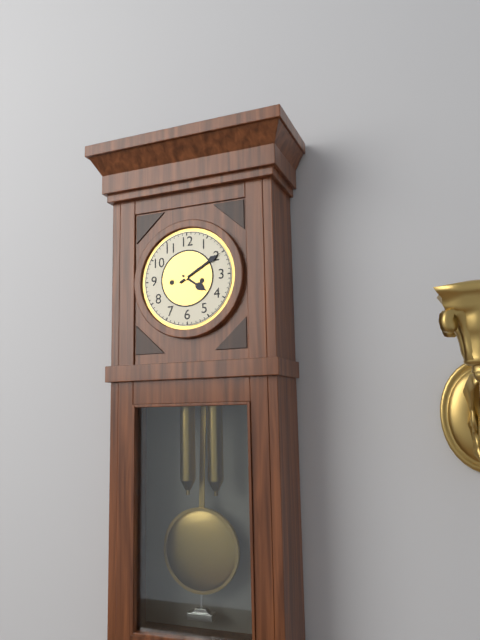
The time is {"hour": 4, "minute": 10}
